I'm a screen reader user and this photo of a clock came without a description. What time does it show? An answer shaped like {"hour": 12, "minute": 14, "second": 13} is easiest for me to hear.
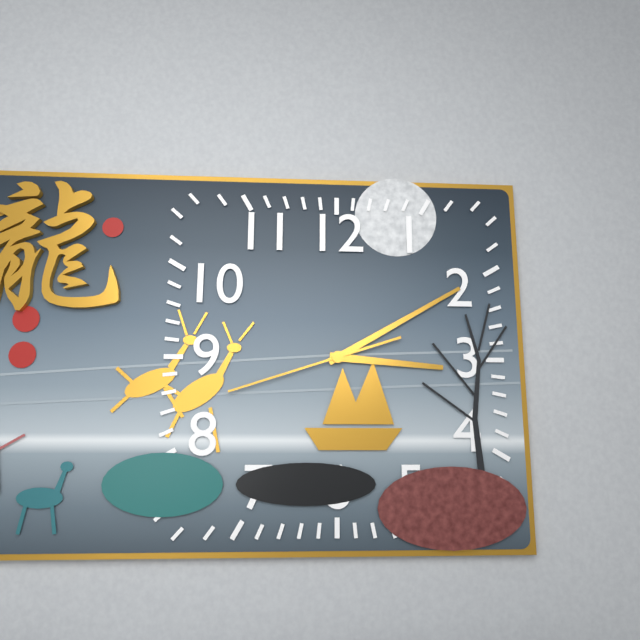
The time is {"hour": 3, "minute": 10, "second": 42}
